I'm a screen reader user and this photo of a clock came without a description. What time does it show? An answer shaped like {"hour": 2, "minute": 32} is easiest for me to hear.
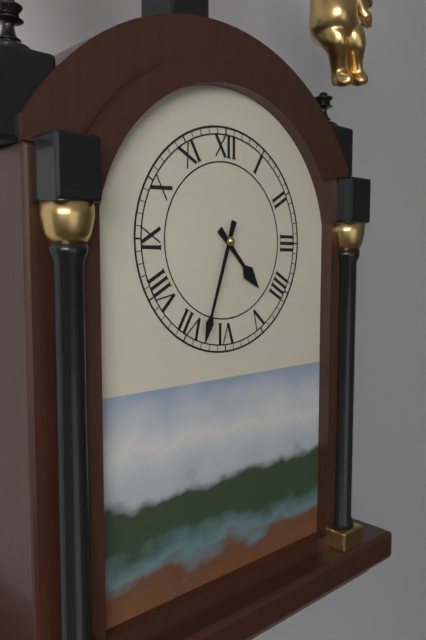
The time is {"hour": 4, "minute": 33}
